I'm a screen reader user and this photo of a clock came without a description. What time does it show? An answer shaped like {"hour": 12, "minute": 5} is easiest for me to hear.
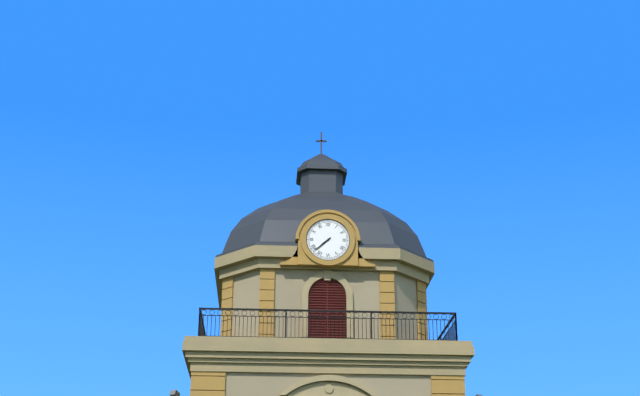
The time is {"hour": 7, "minute": 38}
